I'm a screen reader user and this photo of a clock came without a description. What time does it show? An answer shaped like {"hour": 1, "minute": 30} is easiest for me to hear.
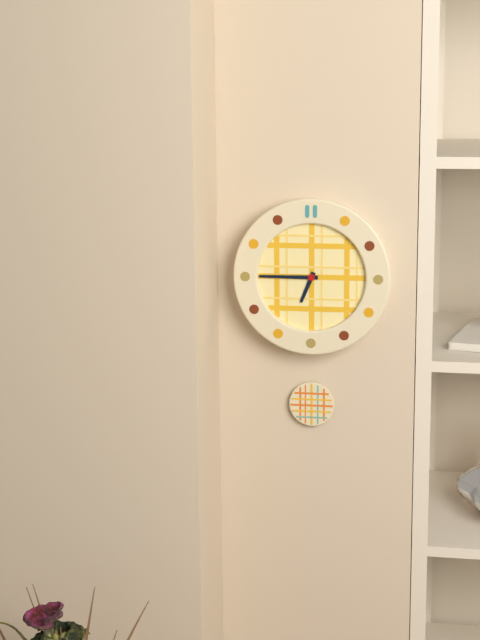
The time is {"hour": 6, "minute": 45}
